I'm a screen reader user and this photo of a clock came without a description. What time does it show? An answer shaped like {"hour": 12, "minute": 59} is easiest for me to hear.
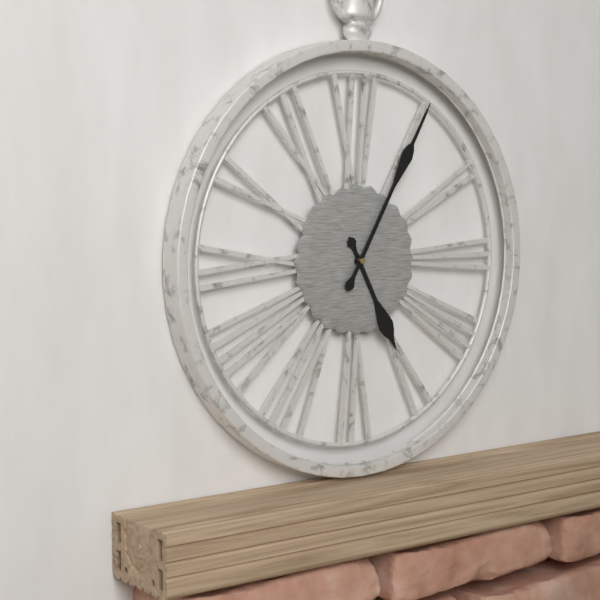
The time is {"hour": 5, "minute": 5}
